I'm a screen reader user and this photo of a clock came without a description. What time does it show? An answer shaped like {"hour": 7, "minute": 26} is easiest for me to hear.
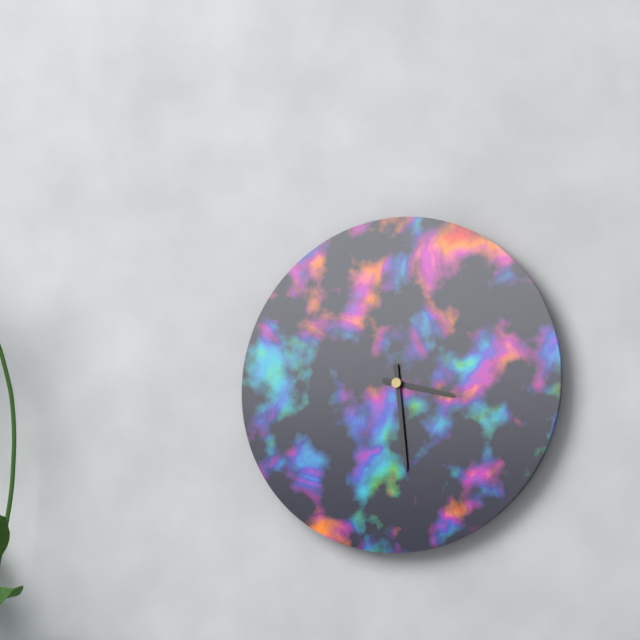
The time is {"hour": 3, "minute": 29}
